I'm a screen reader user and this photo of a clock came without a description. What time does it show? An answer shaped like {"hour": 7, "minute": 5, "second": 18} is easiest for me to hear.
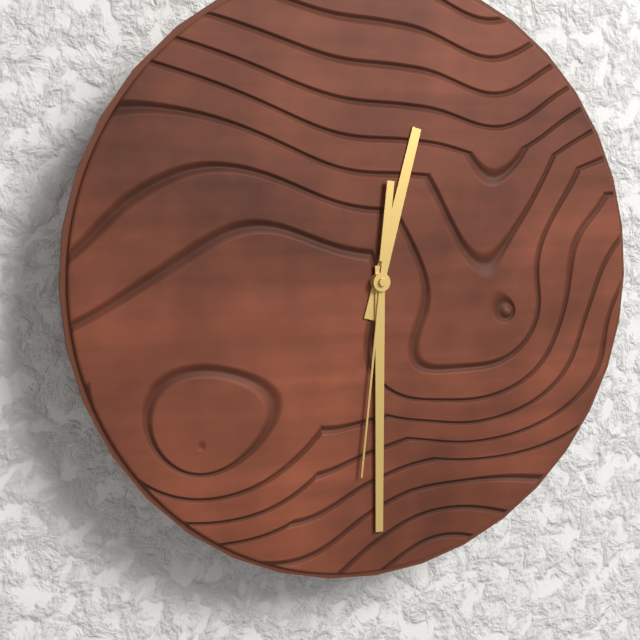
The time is {"hour": 12, "minute": 30, "second": 31}
